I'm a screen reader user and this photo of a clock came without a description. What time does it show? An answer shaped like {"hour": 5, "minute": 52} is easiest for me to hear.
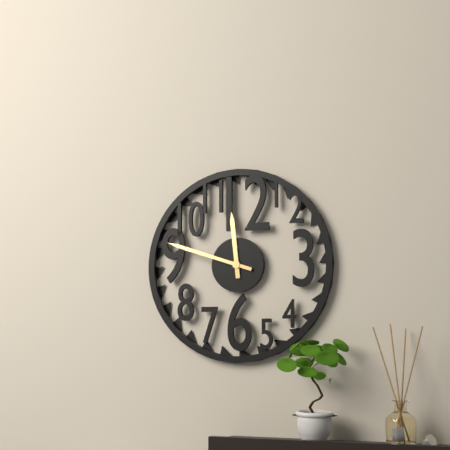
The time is {"hour": 11, "minute": 48}
